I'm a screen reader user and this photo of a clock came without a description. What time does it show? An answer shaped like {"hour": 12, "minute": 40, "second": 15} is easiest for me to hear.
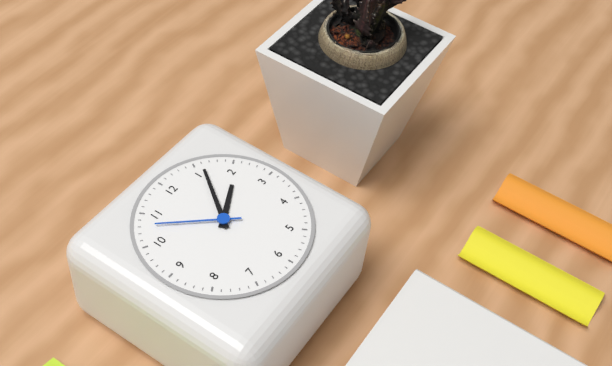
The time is {"hour": 2, "minute": 6, "second": 53}
